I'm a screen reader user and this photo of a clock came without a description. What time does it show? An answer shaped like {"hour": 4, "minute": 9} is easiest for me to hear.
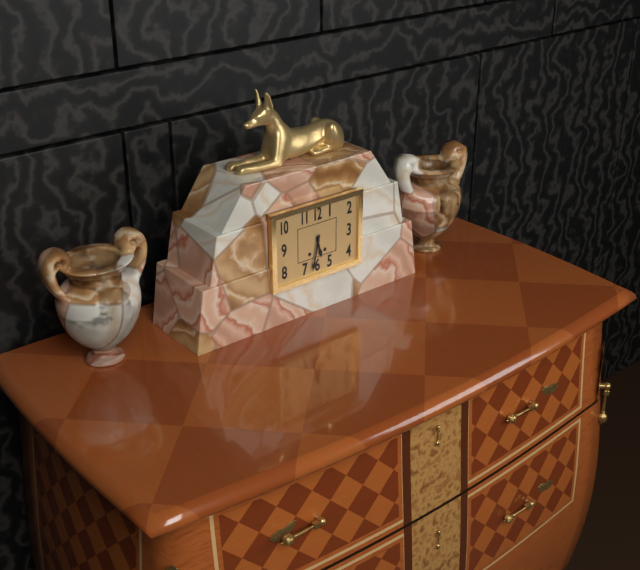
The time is {"hour": 5, "minute": 32}
